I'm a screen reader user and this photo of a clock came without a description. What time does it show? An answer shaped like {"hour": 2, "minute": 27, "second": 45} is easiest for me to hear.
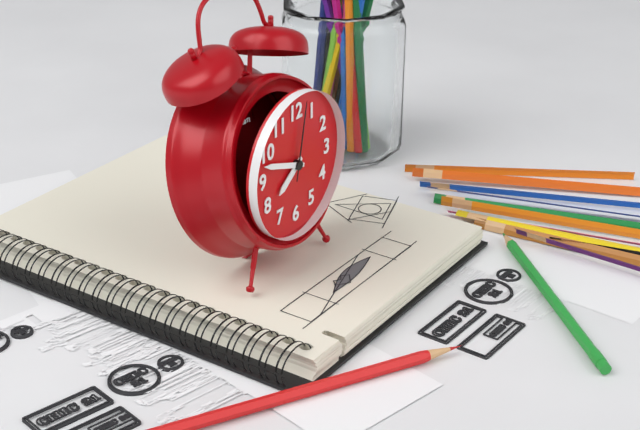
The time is {"hour": 7, "minute": 48, "second": 2}
